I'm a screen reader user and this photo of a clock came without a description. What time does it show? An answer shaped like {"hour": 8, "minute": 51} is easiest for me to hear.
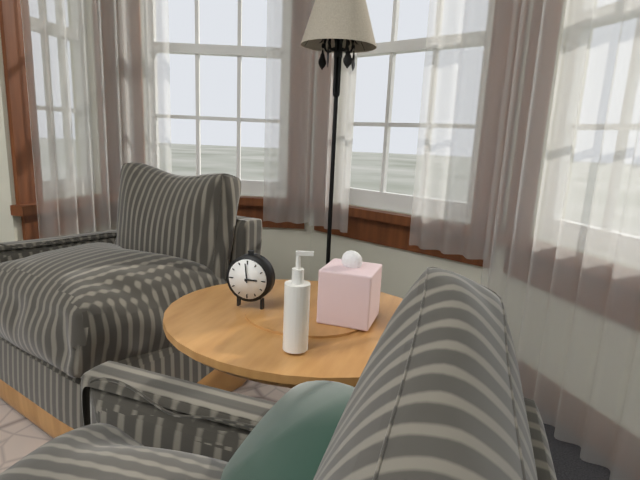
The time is {"hour": 2, "minute": 59}
